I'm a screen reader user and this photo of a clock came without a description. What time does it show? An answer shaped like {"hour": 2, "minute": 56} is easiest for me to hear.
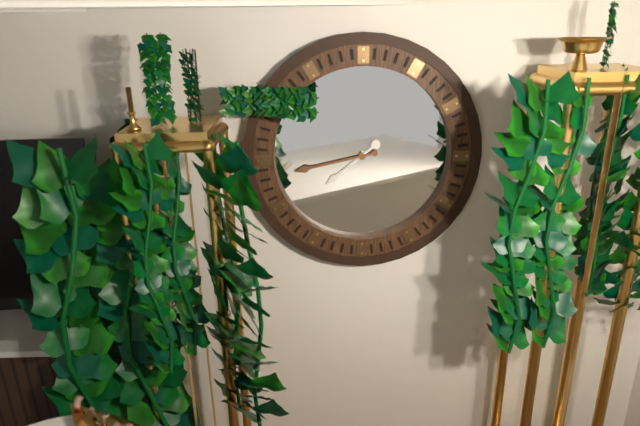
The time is {"hour": 7, "minute": 43}
